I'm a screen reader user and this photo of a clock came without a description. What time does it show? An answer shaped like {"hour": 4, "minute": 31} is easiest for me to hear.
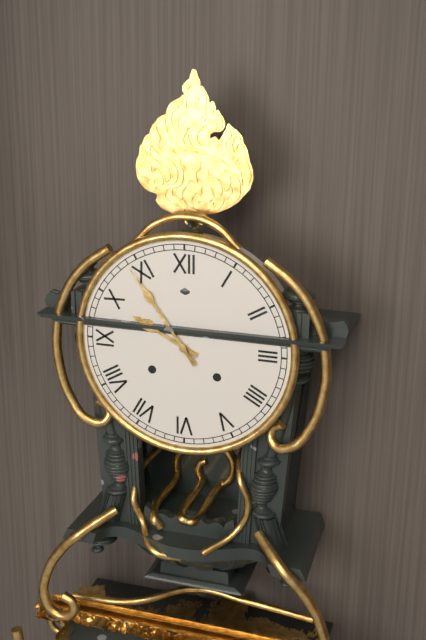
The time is {"hour": 9, "minute": 54}
